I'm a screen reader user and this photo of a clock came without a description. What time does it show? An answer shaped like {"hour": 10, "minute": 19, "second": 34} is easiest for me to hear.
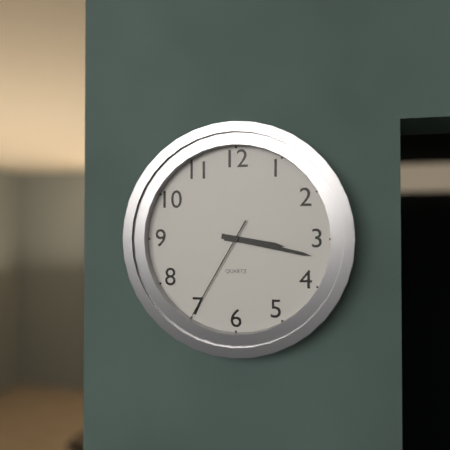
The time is {"hour": 3, "minute": 17, "second": 35}
